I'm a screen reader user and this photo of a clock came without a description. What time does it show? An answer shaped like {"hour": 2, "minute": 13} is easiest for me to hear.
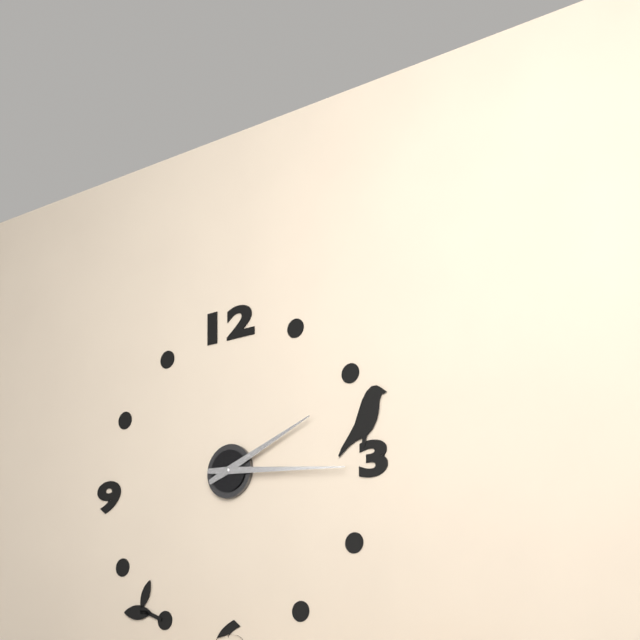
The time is {"hour": 2, "minute": 16}
